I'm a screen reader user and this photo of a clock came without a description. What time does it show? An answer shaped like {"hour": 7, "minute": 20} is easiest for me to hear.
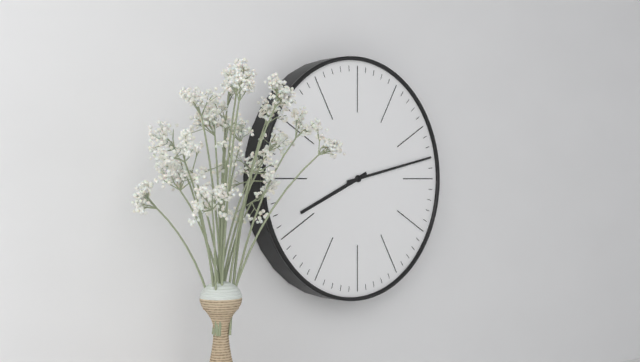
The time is {"hour": 8, "minute": 13}
